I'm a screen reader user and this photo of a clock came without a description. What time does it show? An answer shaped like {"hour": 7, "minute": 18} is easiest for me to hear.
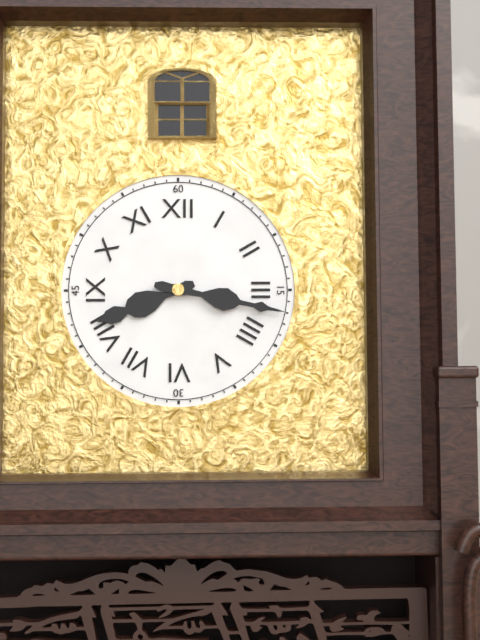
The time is {"hour": 8, "minute": 17}
